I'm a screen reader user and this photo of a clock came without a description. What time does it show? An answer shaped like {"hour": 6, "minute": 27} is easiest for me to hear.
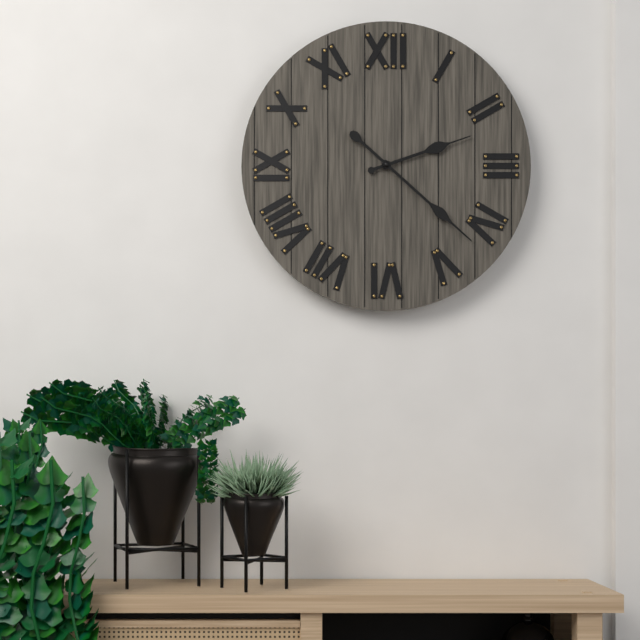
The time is {"hour": 2, "minute": 22}
